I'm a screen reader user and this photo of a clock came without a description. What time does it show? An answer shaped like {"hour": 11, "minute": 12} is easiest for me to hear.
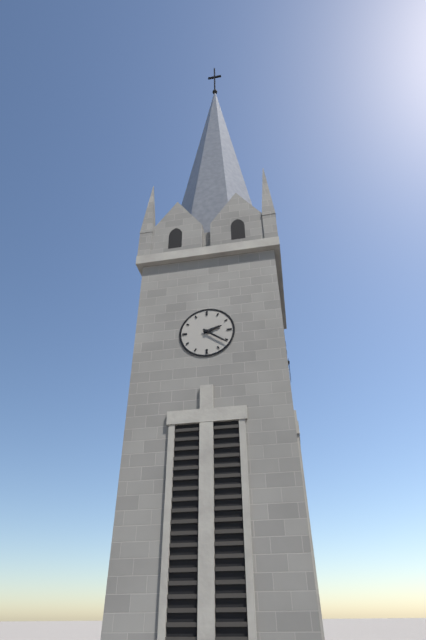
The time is {"hour": 2, "minute": 21}
